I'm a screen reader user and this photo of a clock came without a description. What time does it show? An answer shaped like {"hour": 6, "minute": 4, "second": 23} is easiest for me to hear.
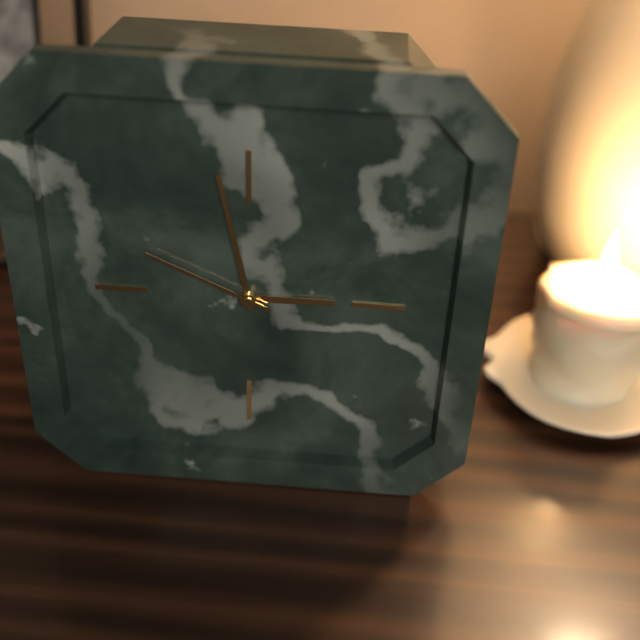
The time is {"hour": 2, "minute": 58, "second": 49}
